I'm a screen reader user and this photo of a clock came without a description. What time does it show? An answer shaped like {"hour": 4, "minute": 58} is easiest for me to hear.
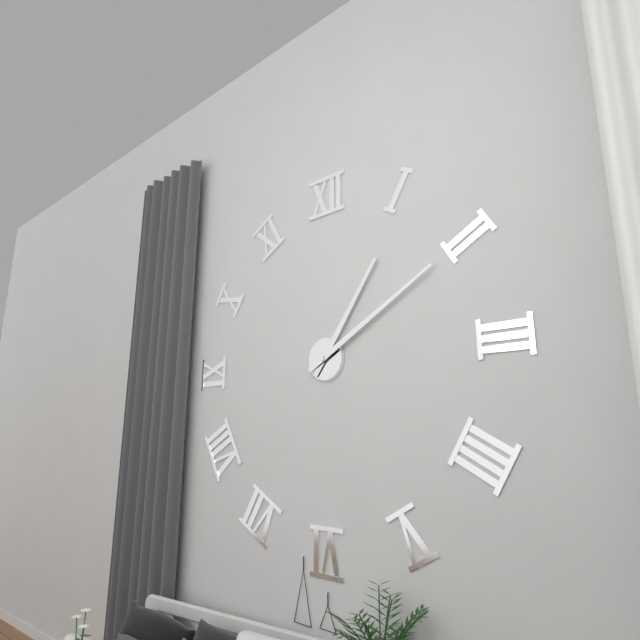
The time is {"hour": 1, "minute": 10}
